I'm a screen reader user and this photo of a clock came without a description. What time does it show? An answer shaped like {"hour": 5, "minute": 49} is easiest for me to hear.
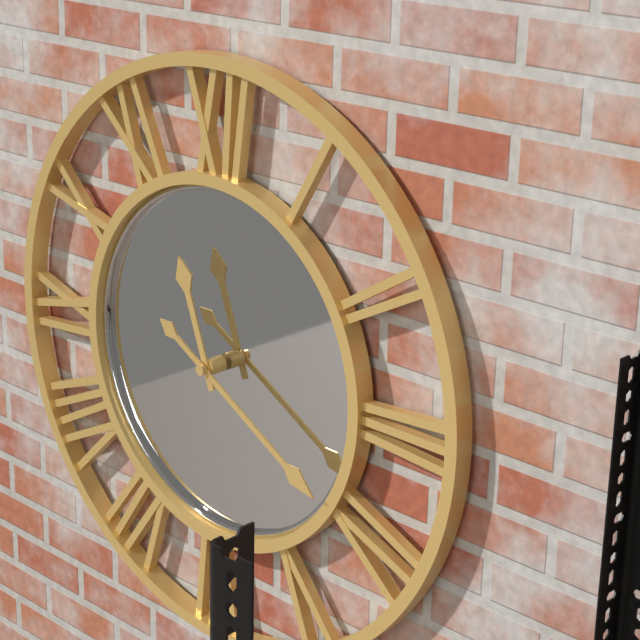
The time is {"hour": 11, "minute": 20}
